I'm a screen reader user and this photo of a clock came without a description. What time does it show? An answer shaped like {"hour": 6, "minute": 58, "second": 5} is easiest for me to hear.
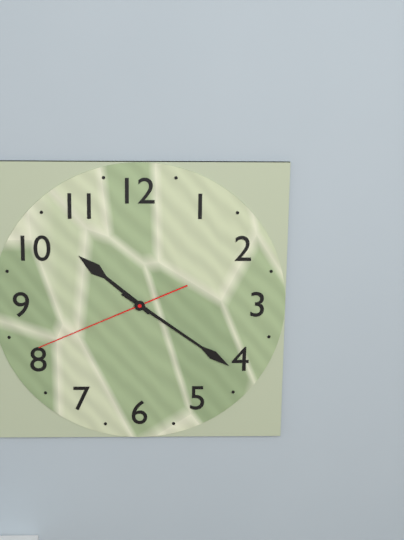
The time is {"hour": 10, "minute": 21, "second": 41}
